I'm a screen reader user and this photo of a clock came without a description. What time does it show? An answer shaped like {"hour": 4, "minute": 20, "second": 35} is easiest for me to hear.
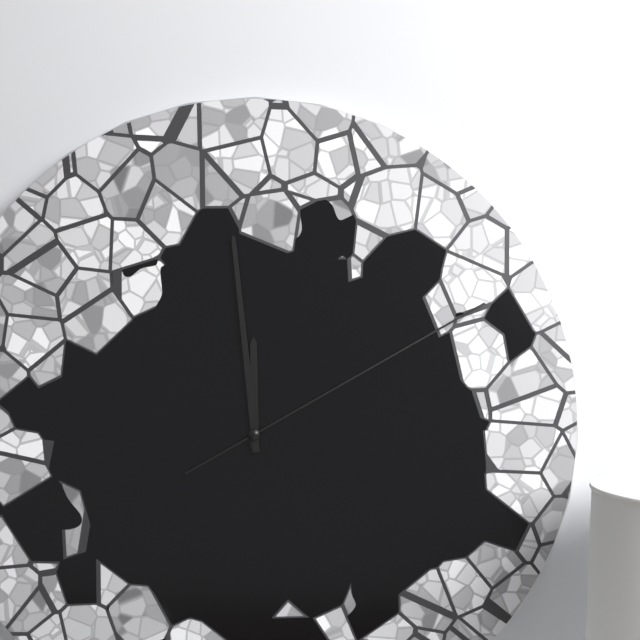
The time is {"hour": 11, "minute": 59, "second": 10}
